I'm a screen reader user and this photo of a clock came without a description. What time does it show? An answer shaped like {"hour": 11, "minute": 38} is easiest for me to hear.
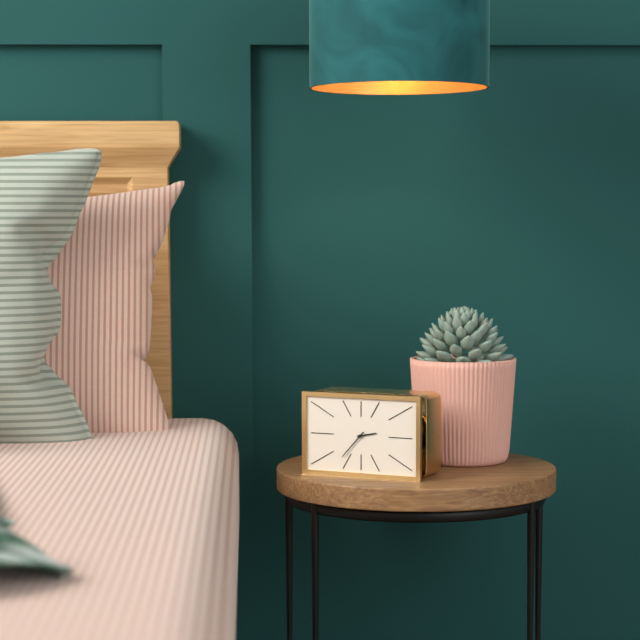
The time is {"hour": 2, "minute": 37}
